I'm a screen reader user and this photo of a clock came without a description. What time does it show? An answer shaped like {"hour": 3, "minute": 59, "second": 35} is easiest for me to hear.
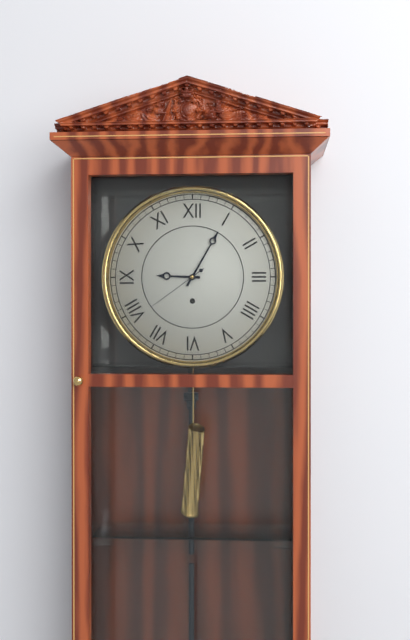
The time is {"hour": 9, "minute": 5, "second": 39}
